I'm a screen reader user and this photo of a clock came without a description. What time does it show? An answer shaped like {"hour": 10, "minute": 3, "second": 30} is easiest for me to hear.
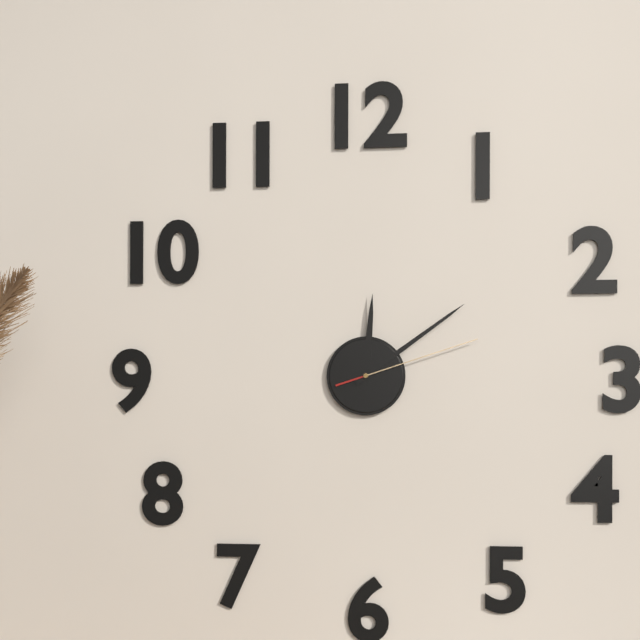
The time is {"hour": 12, "minute": 9, "second": 12}
